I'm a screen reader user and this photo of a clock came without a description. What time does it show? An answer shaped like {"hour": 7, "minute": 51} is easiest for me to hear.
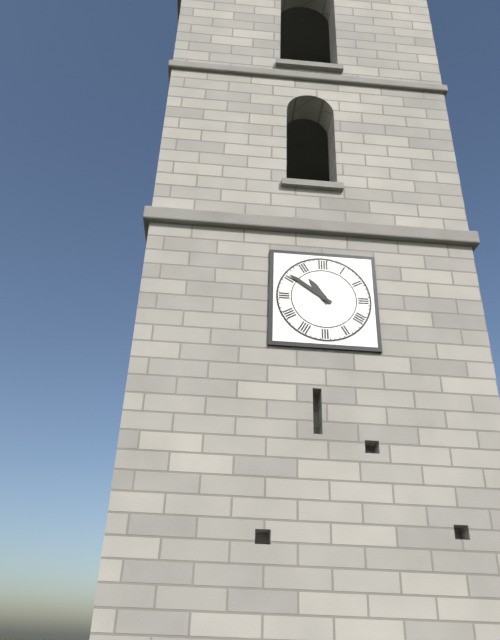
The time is {"hour": 10, "minute": 51}
